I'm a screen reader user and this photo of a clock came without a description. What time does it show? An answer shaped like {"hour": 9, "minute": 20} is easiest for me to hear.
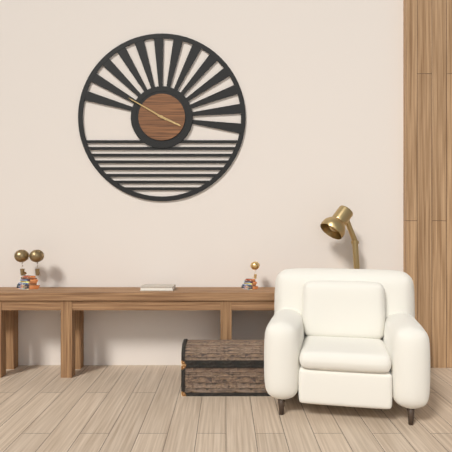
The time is {"hour": 3, "minute": 50}
